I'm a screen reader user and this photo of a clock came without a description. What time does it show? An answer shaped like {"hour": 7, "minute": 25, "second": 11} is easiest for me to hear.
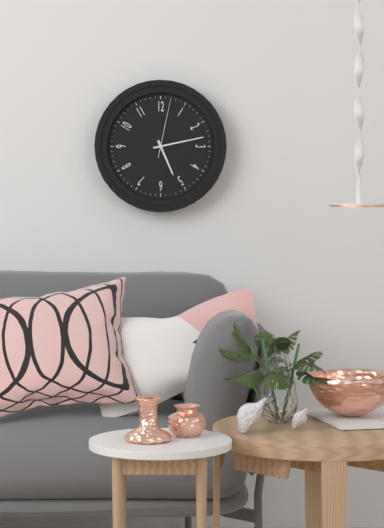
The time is {"hour": 5, "minute": 13, "second": 2}
